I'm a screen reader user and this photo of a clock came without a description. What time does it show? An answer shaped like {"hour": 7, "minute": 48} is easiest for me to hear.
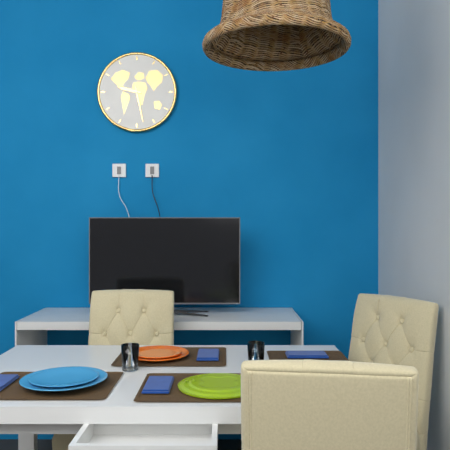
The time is {"hour": 9, "minute": 28}
